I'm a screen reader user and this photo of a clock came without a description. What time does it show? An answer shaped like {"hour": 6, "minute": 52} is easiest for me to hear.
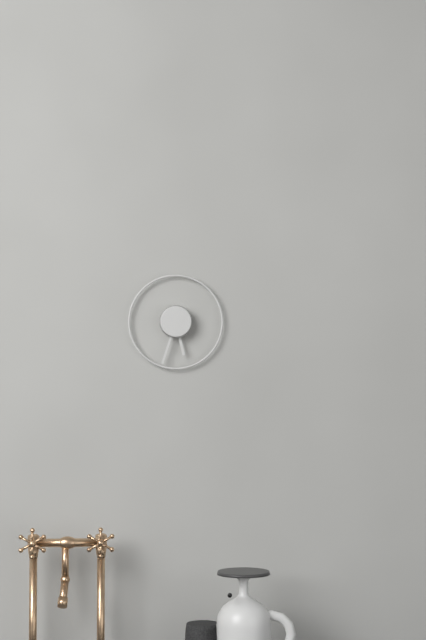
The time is {"hour": 5, "minute": 33}
